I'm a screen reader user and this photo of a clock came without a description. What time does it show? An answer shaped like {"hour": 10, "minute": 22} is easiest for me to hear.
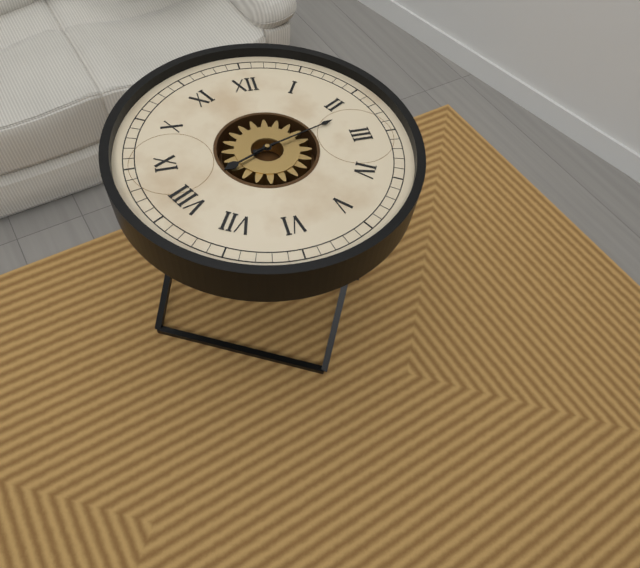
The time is {"hour": 8, "minute": 12}
